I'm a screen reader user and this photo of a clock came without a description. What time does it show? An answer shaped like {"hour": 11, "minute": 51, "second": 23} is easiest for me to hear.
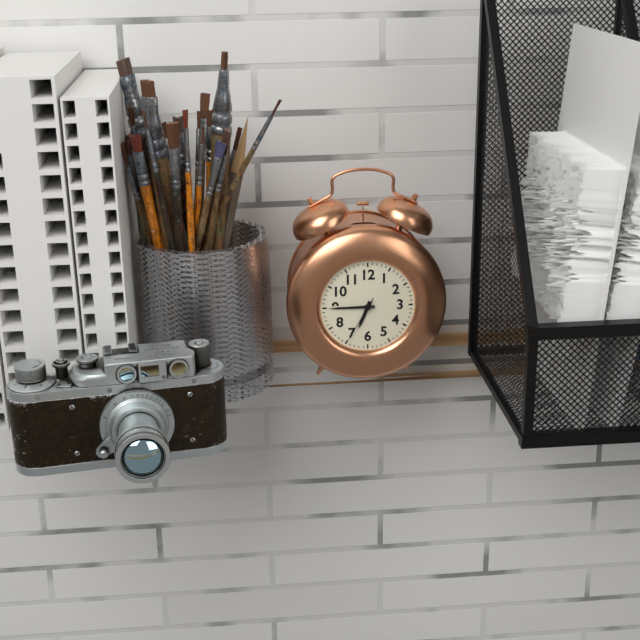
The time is {"hour": 6, "minute": 45, "second": 35}
